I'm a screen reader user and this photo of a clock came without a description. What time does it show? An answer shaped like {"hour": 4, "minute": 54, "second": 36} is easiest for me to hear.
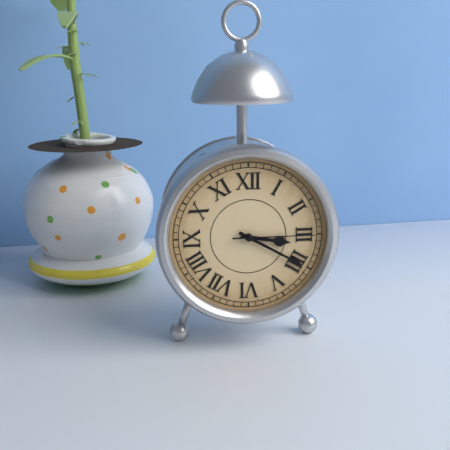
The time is {"hour": 3, "minute": 20, "second": 15}
